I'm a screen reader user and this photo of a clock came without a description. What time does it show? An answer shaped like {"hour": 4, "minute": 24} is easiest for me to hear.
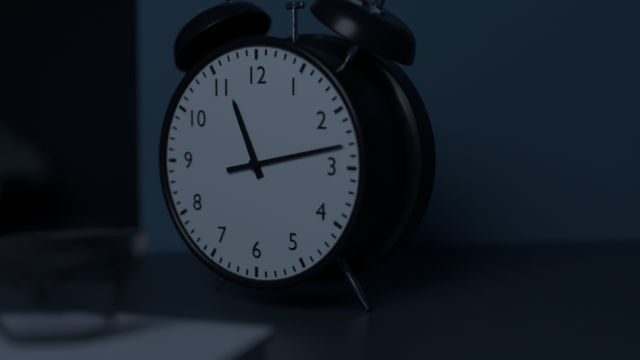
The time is {"hour": 11, "minute": 13}
